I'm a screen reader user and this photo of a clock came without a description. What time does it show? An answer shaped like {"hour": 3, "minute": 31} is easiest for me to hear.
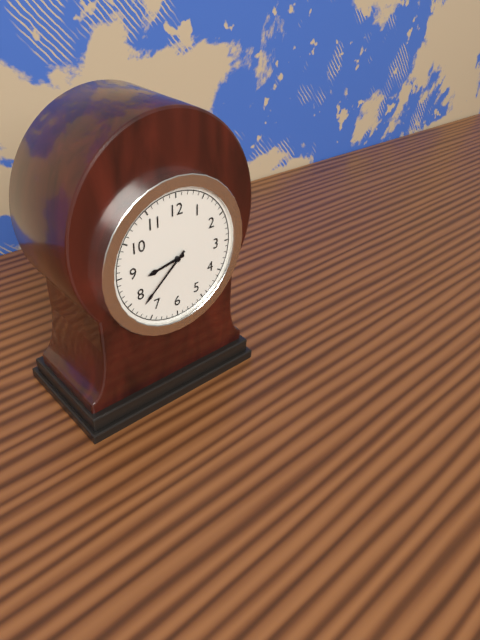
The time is {"hour": 8, "minute": 38}
